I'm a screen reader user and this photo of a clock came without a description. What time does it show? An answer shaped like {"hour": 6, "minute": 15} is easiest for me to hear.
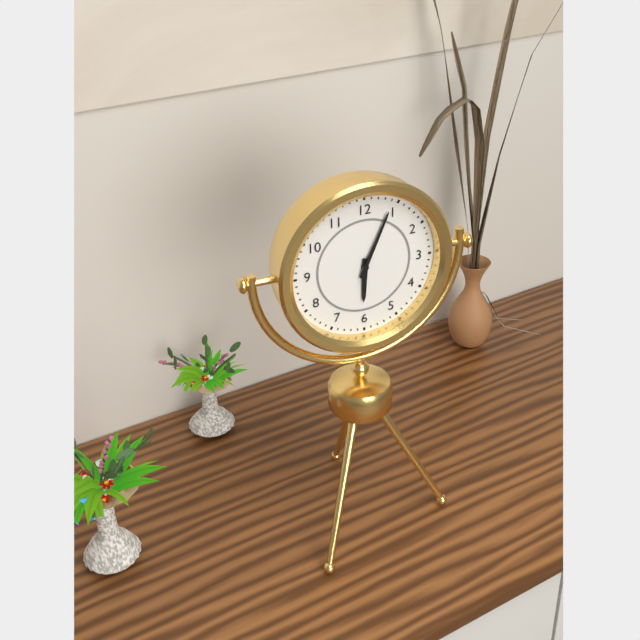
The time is {"hour": 6, "minute": 4}
